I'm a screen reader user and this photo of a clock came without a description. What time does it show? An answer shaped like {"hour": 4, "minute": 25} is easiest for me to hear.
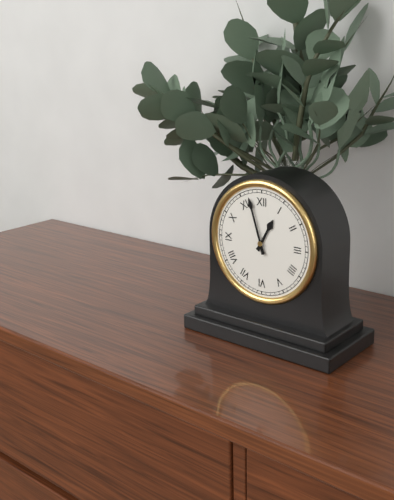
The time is {"hour": 12, "minute": 57}
